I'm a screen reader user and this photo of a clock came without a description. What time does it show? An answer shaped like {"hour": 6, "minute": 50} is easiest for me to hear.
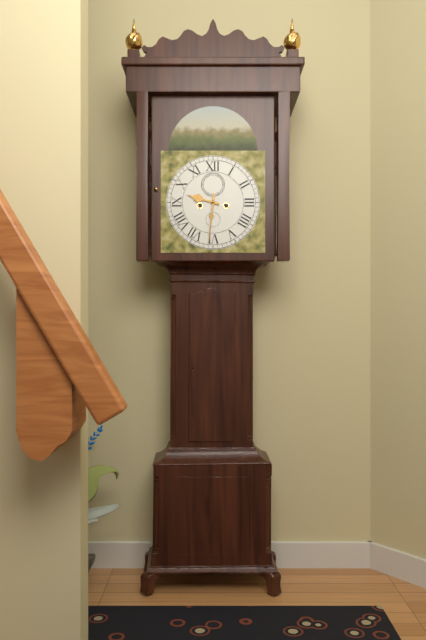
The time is {"hour": 9, "minute": 31}
